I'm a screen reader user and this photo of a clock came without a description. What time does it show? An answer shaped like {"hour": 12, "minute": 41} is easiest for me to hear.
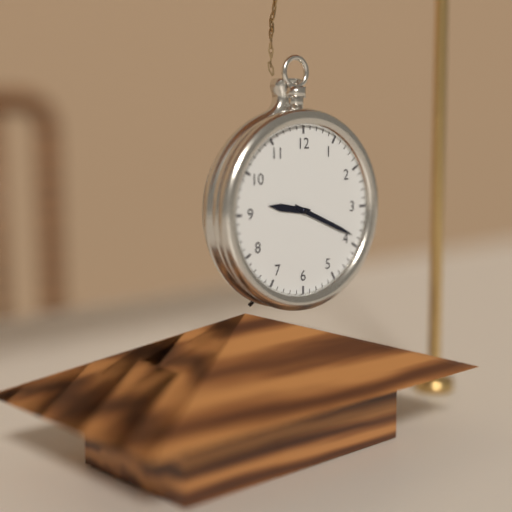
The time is {"hour": 9, "minute": 19}
